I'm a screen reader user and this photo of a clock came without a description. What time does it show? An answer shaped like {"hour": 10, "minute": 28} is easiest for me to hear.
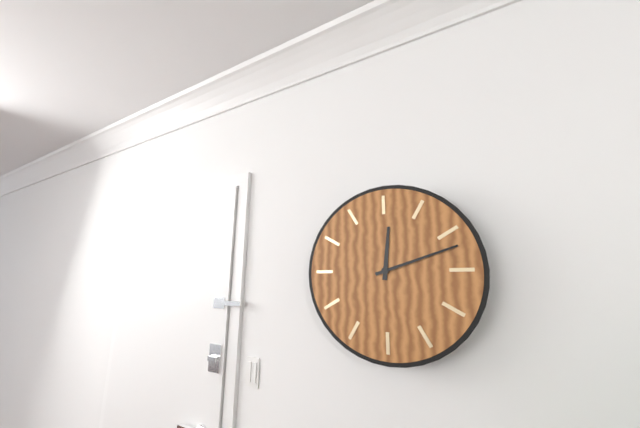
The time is {"hour": 12, "minute": 12}
